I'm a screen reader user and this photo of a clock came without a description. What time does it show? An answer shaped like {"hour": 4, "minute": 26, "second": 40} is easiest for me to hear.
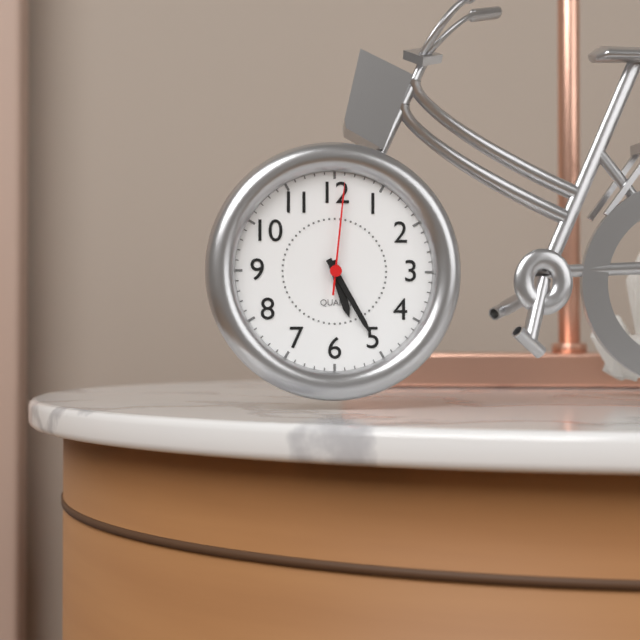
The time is {"hour": 5, "minute": 25, "second": 1}
